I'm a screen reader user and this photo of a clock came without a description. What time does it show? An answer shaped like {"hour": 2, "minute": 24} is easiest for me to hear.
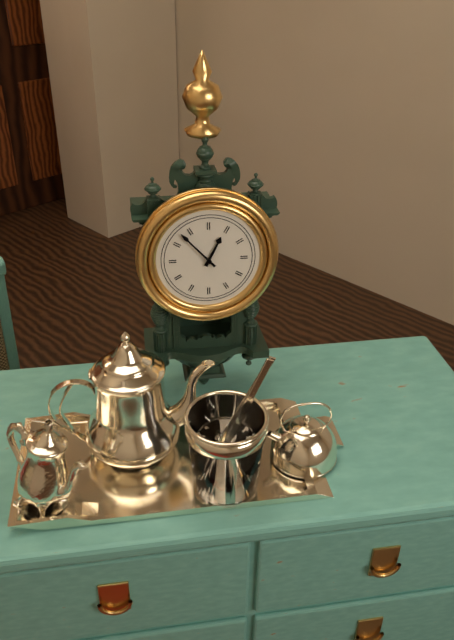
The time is {"hour": 12, "minute": 53}
